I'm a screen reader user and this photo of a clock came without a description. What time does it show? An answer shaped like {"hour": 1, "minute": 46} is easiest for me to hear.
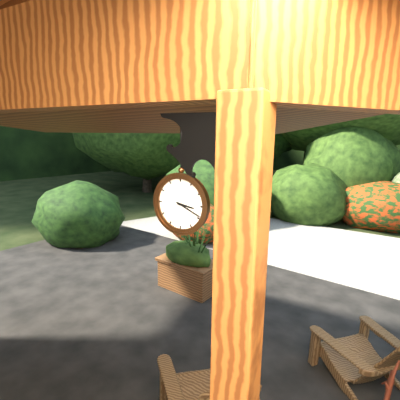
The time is {"hour": 3, "minute": 19}
